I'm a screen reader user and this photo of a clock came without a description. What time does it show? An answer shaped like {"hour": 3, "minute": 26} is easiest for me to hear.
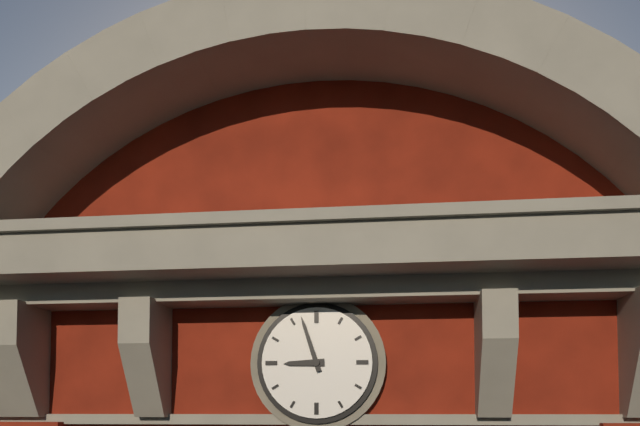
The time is {"hour": 8, "minute": 57}
